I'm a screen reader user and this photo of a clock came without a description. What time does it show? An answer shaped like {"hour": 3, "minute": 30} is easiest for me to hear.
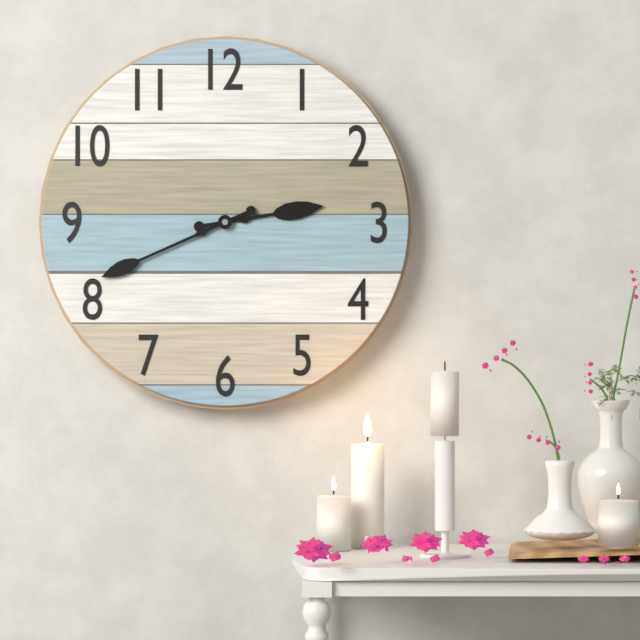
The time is {"hour": 2, "minute": 41}
